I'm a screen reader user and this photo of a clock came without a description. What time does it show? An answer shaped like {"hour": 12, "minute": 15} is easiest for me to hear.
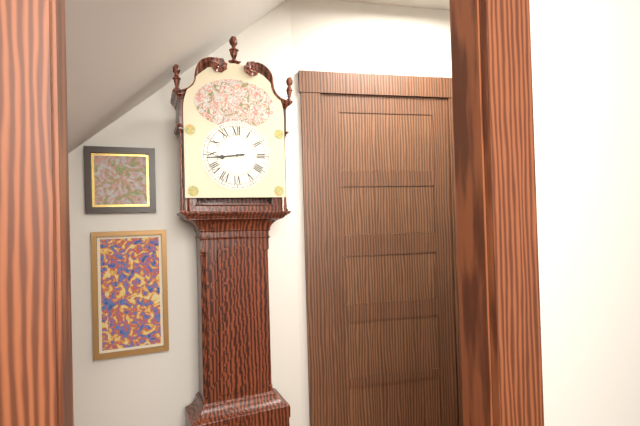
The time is {"hour": 8, "minute": 44}
